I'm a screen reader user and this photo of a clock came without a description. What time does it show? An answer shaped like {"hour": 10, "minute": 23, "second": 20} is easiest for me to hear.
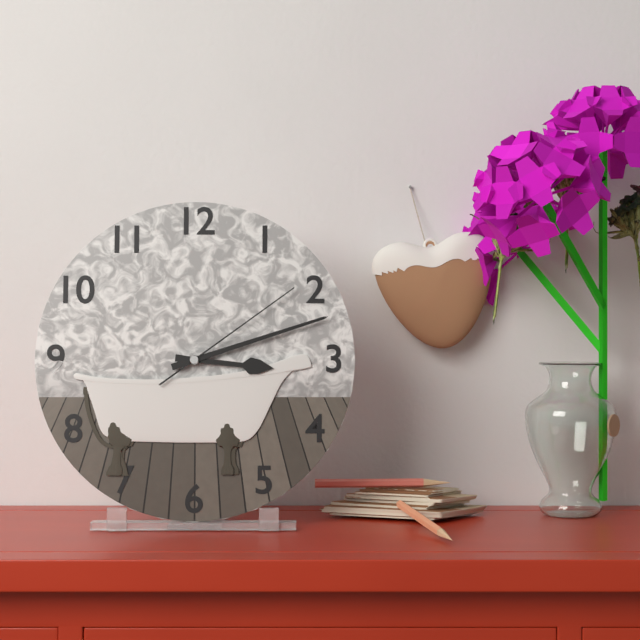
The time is {"hour": 3, "minute": 12, "second": 9}
